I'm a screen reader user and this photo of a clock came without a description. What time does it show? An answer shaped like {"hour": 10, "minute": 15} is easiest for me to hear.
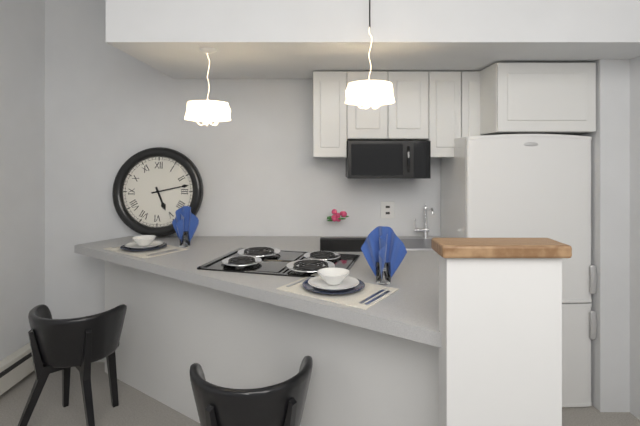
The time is {"hour": 5, "minute": 13}
